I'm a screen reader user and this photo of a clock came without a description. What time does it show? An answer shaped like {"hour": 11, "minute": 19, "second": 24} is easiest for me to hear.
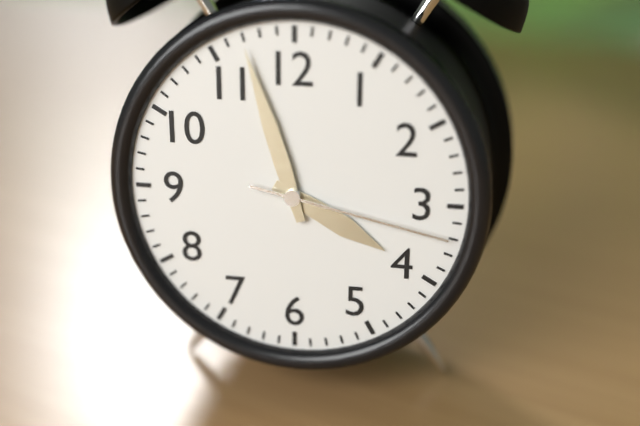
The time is {"hour": 3, "minute": 57, "second": 17}
